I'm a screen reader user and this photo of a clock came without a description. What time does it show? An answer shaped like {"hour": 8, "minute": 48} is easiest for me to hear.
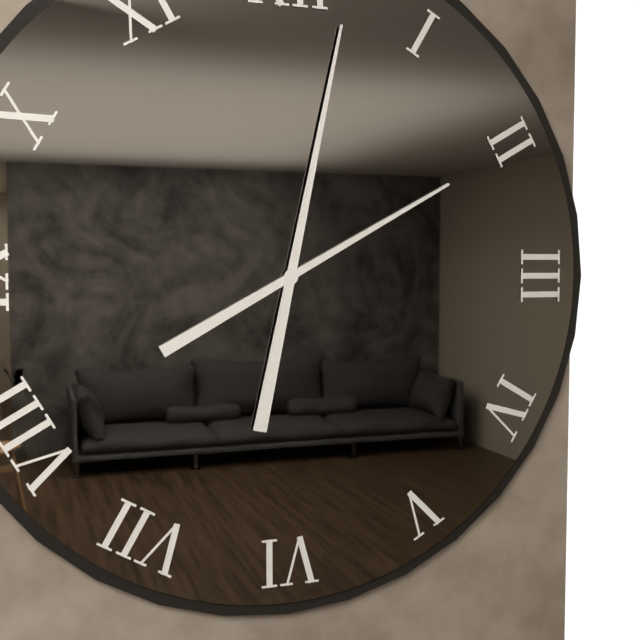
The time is {"hour": 2, "minute": 2}
